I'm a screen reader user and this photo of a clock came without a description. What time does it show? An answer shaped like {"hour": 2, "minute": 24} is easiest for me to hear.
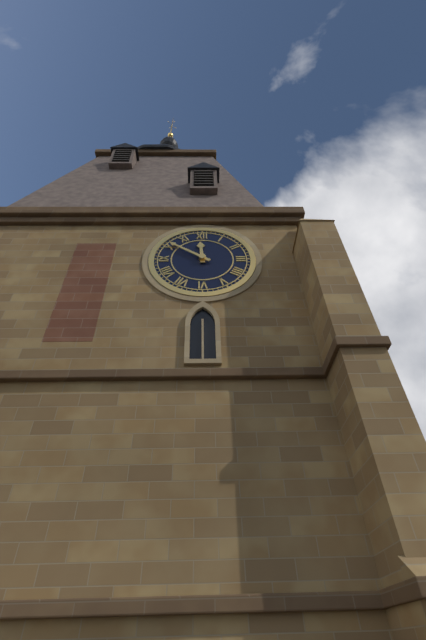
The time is {"hour": 11, "minute": 51}
